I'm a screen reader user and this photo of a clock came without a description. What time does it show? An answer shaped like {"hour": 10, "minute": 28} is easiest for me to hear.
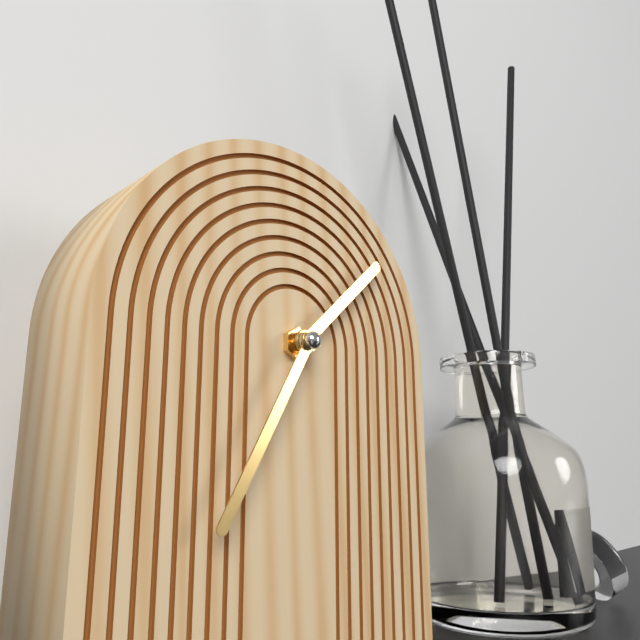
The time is {"hour": 1, "minute": 35}
